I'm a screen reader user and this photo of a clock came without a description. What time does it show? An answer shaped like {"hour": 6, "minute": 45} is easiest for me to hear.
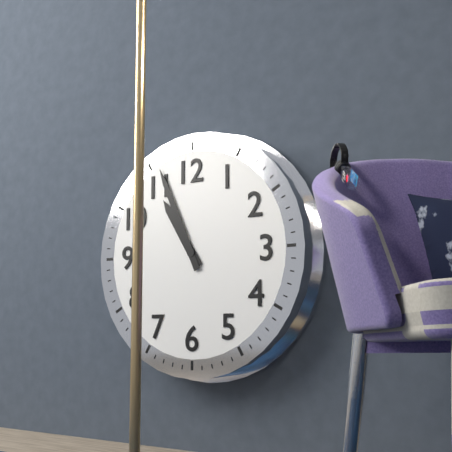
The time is {"hour": 10, "minute": 56}
